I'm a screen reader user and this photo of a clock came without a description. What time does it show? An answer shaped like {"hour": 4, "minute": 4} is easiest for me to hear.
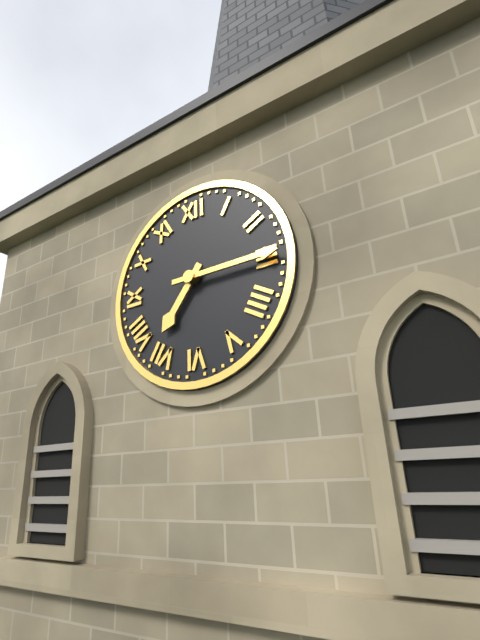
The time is {"hour": 7, "minute": 15}
